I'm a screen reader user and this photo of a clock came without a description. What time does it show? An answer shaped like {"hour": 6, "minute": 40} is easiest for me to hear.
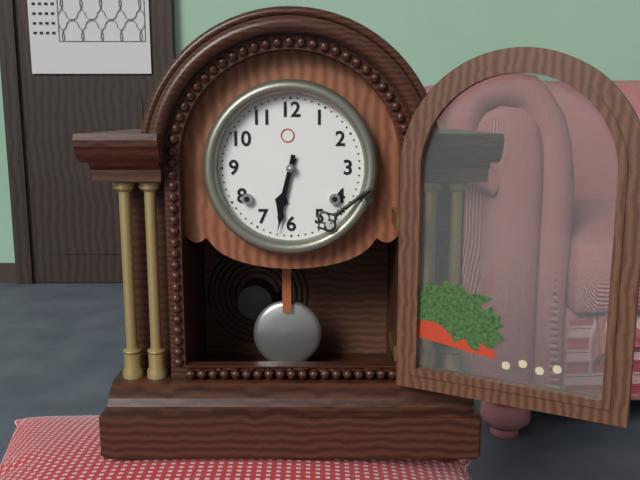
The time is {"hour": 6, "minute": 32}
